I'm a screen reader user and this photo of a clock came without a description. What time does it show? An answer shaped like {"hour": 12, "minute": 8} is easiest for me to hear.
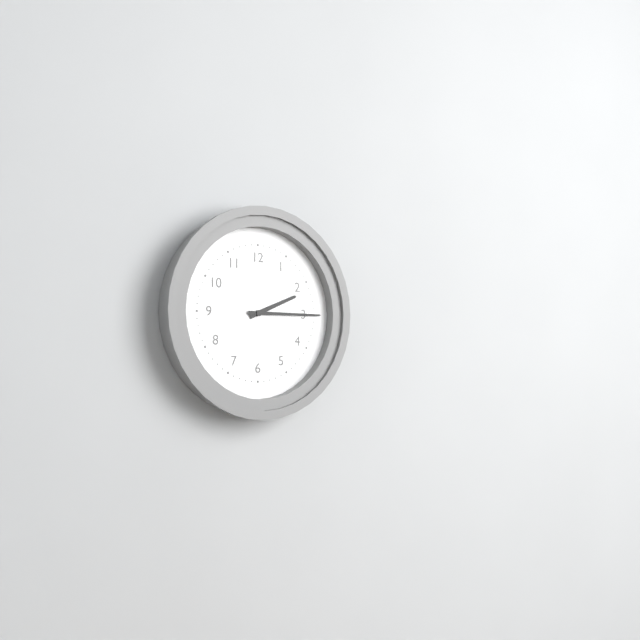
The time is {"hour": 2, "minute": 15}
